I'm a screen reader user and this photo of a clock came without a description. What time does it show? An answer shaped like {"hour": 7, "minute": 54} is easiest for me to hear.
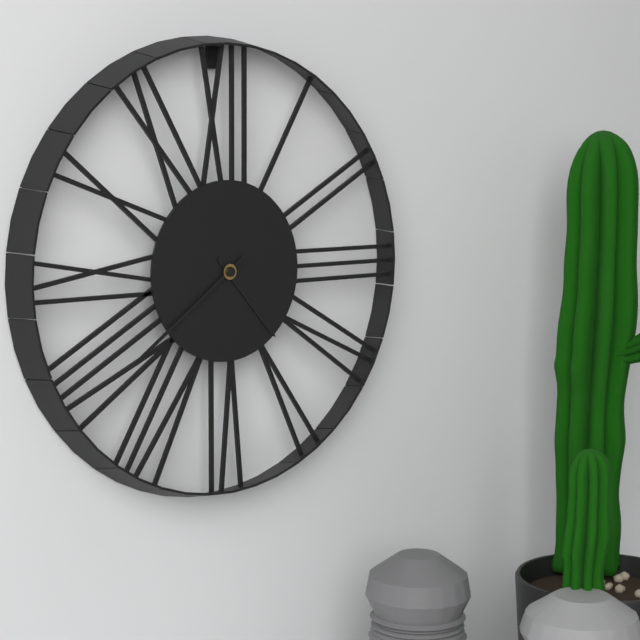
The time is {"hour": 4, "minute": 39}
